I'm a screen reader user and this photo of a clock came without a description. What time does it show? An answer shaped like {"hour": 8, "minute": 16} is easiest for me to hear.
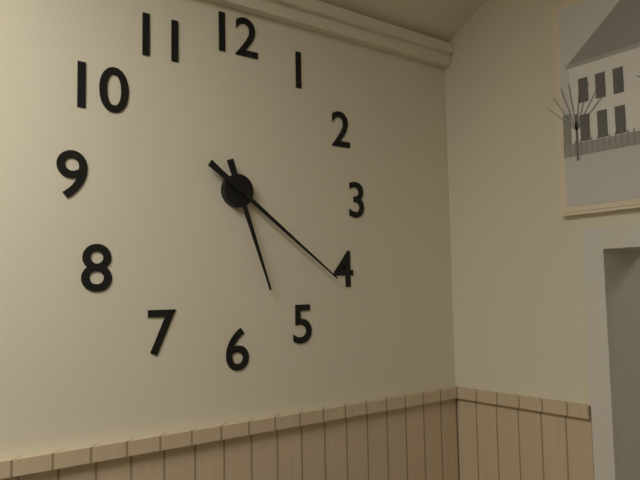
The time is {"hour": 5, "minute": 21}
